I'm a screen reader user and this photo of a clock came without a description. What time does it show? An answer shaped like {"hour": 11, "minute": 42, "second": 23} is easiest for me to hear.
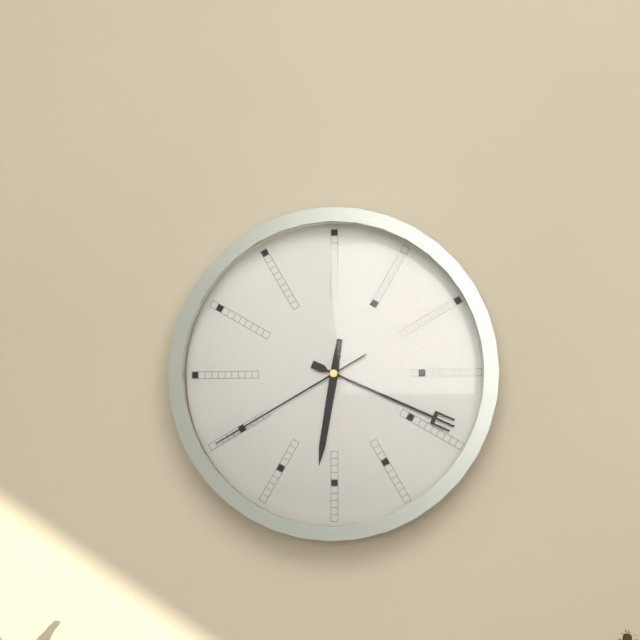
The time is {"hour": 6, "minute": 19, "second": 40}
